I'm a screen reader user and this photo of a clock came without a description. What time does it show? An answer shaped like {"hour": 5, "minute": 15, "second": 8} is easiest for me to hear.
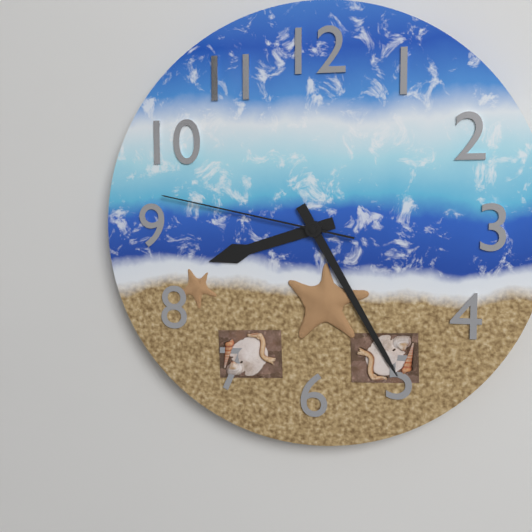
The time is {"hour": 8, "minute": 25, "second": 47}
